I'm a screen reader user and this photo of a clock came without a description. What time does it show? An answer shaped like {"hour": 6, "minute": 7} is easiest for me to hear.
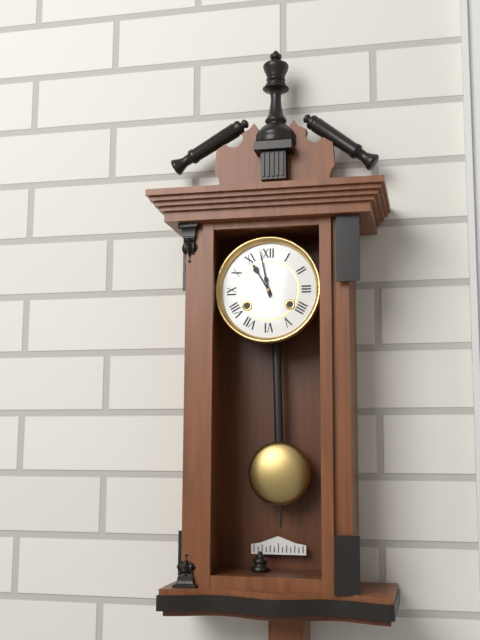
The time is {"hour": 10, "minute": 58}
